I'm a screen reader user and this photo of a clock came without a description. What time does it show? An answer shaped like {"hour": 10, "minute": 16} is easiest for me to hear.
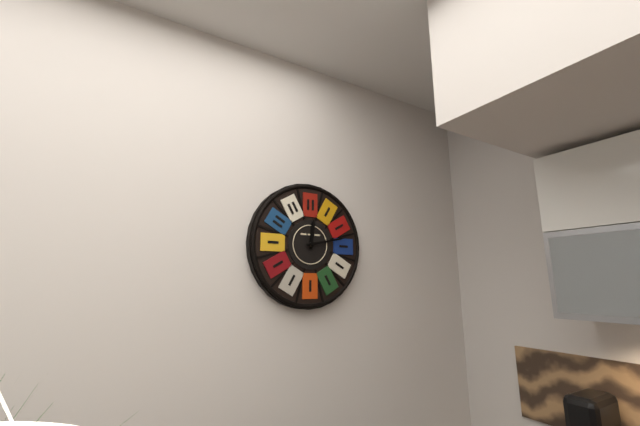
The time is {"hour": 12, "minute": 13}
